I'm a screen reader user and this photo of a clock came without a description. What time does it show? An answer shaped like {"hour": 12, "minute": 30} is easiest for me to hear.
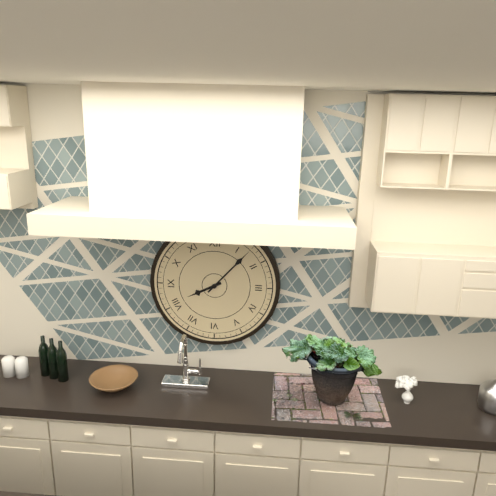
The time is {"hour": 8, "minute": 7}
